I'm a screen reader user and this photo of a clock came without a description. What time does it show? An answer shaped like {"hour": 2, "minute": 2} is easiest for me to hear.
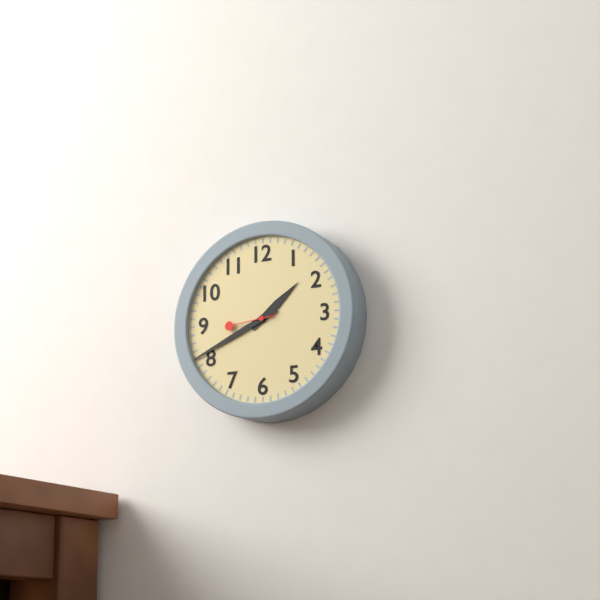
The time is {"hour": 1, "minute": 41}
